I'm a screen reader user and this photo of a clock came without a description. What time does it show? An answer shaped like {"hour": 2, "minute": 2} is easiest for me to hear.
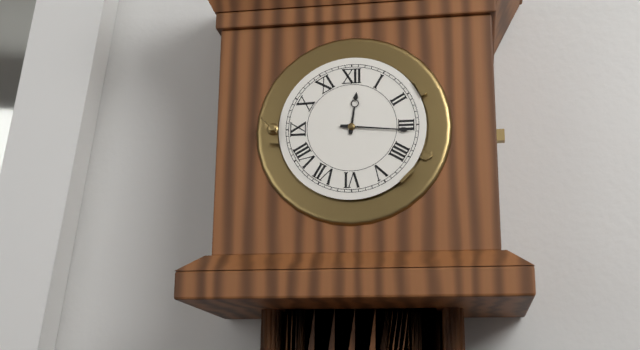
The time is {"hour": 12, "minute": 16}
